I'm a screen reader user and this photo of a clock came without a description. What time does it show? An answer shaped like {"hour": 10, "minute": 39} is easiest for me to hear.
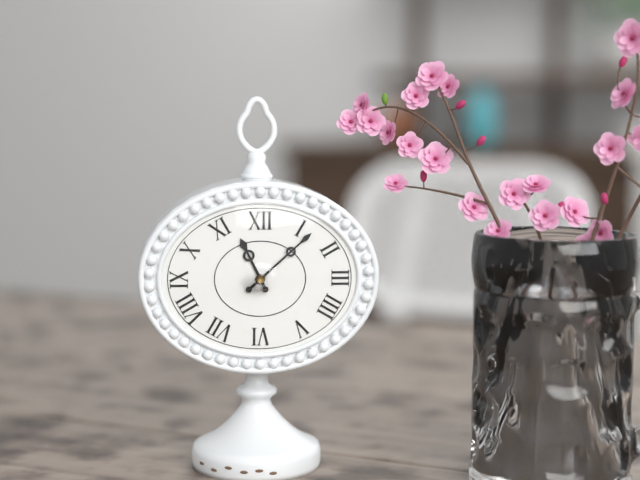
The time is {"hour": 11, "minute": 8}
